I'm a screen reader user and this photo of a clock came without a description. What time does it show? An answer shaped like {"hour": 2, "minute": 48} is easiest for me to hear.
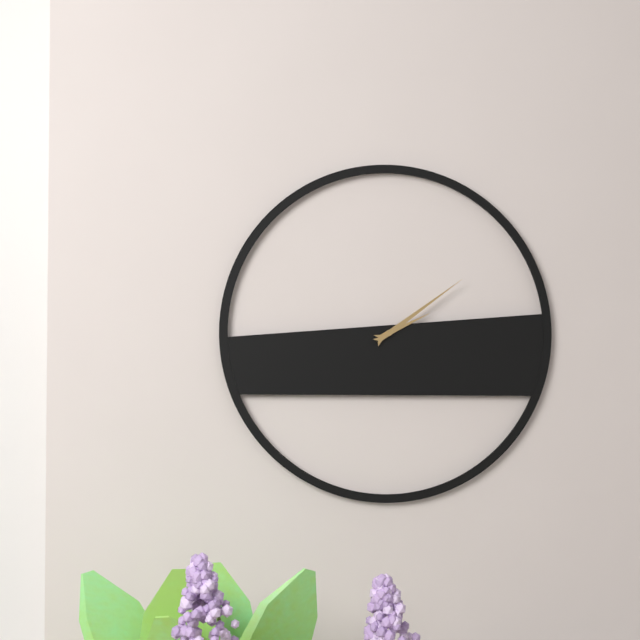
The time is {"hour": 2, "minute": 9}
